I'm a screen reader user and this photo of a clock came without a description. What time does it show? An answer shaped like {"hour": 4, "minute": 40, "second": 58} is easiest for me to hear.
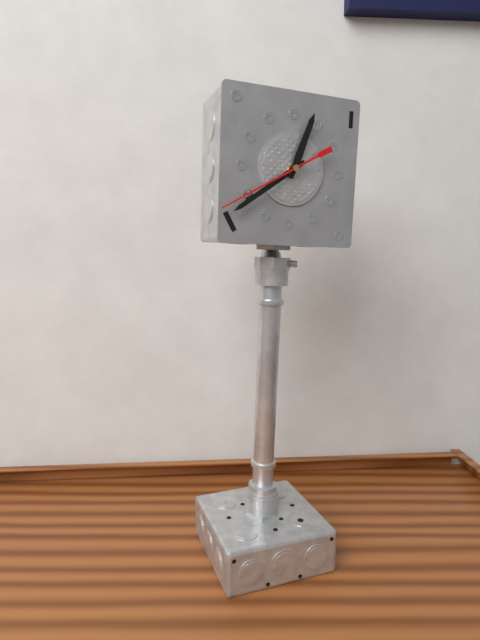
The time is {"hour": 12, "minute": 39, "second": 40}
